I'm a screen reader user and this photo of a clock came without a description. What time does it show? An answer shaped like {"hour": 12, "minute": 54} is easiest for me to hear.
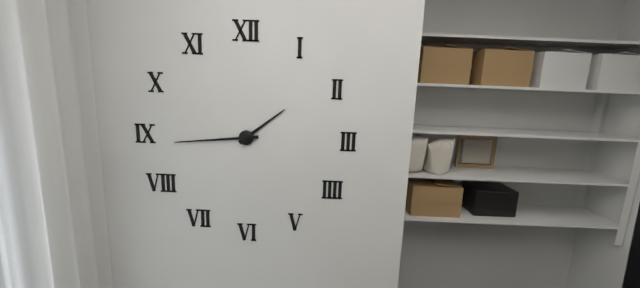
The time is {"hour": 1, "minute": 44}
